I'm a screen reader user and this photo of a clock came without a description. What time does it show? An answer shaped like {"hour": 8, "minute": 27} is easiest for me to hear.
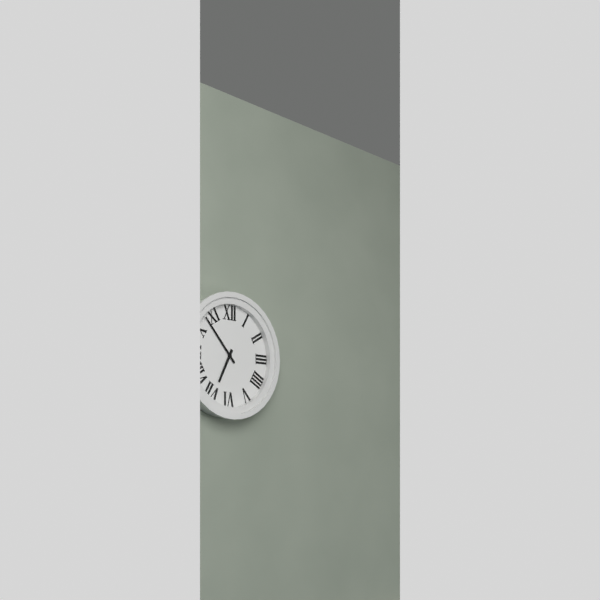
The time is {"hour": 6, "minute": 53}
